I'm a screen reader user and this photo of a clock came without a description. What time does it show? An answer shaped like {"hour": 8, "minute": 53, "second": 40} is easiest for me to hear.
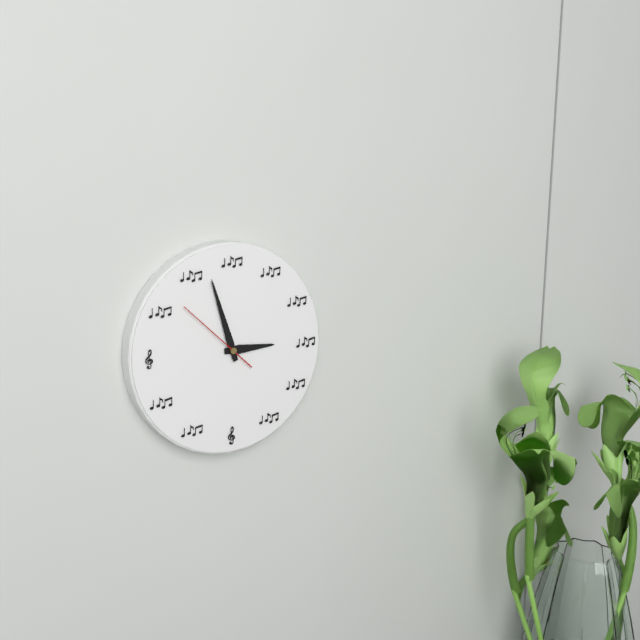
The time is {"hour": 2, "minute": 57, "second": 52}
